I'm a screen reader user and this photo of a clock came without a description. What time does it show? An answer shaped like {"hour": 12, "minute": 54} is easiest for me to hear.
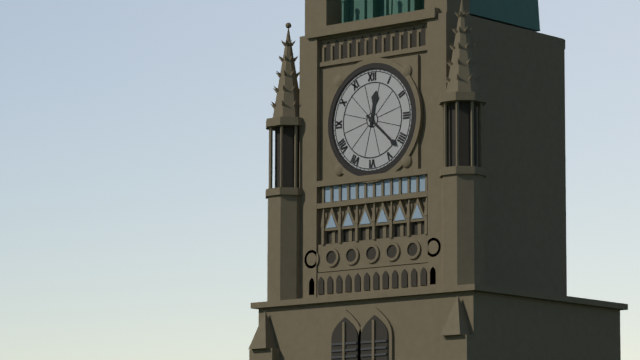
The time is {"hour": 12, "minute": 22}
